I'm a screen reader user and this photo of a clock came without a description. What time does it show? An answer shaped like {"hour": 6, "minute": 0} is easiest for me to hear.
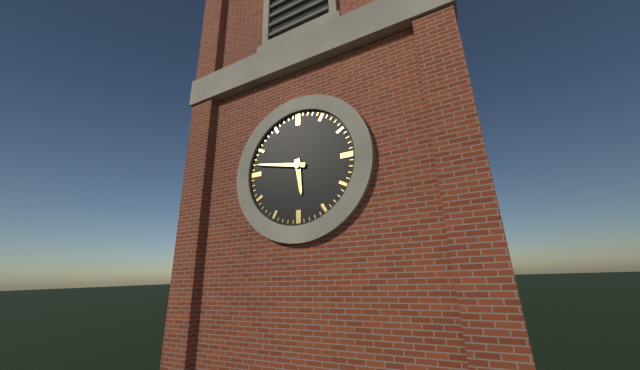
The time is {"hour": 5, "minute": 47}
